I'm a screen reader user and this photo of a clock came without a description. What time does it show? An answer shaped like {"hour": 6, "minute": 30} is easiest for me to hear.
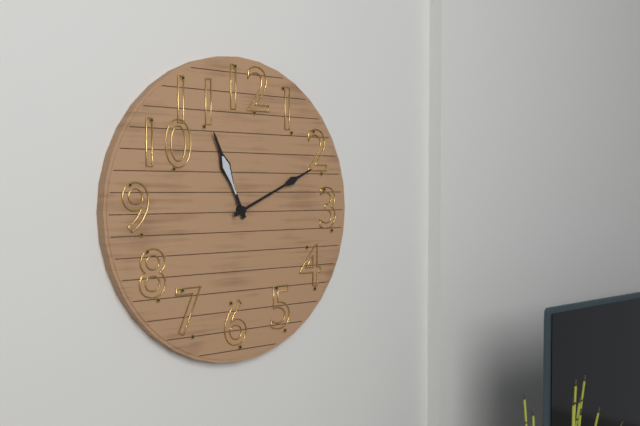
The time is {"hour": 11, "minute": 11}
